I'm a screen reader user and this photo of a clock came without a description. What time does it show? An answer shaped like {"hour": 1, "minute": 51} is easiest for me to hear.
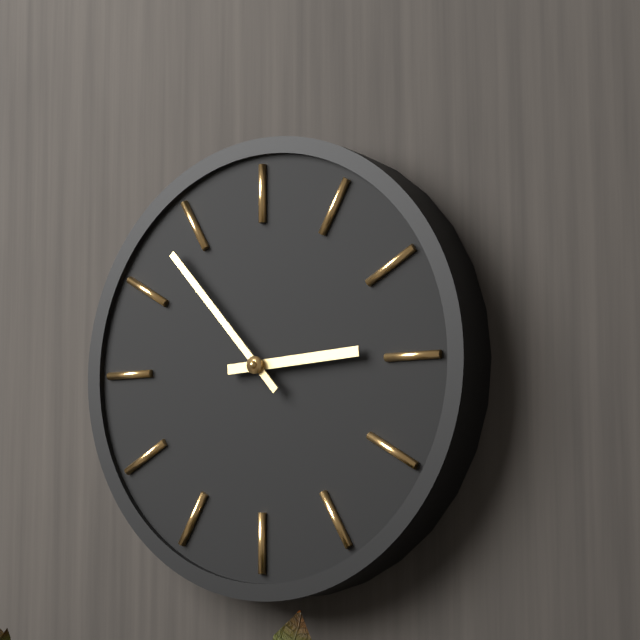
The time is {"hour": 2, "minute": 53}
